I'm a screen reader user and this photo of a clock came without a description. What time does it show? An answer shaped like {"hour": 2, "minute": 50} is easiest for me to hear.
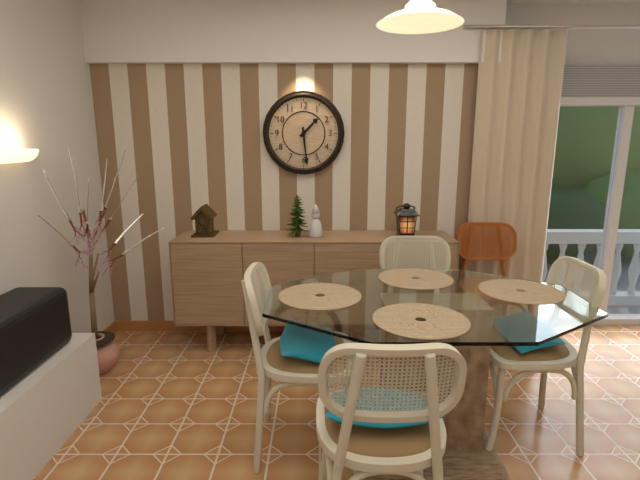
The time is {"hour": 1, "minute": 29}
